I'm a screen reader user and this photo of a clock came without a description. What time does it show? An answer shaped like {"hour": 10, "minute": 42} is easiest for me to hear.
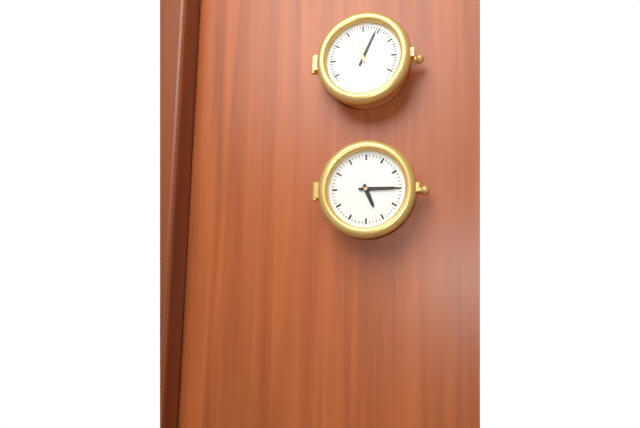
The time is {"hour": 5, "minute": 15}
